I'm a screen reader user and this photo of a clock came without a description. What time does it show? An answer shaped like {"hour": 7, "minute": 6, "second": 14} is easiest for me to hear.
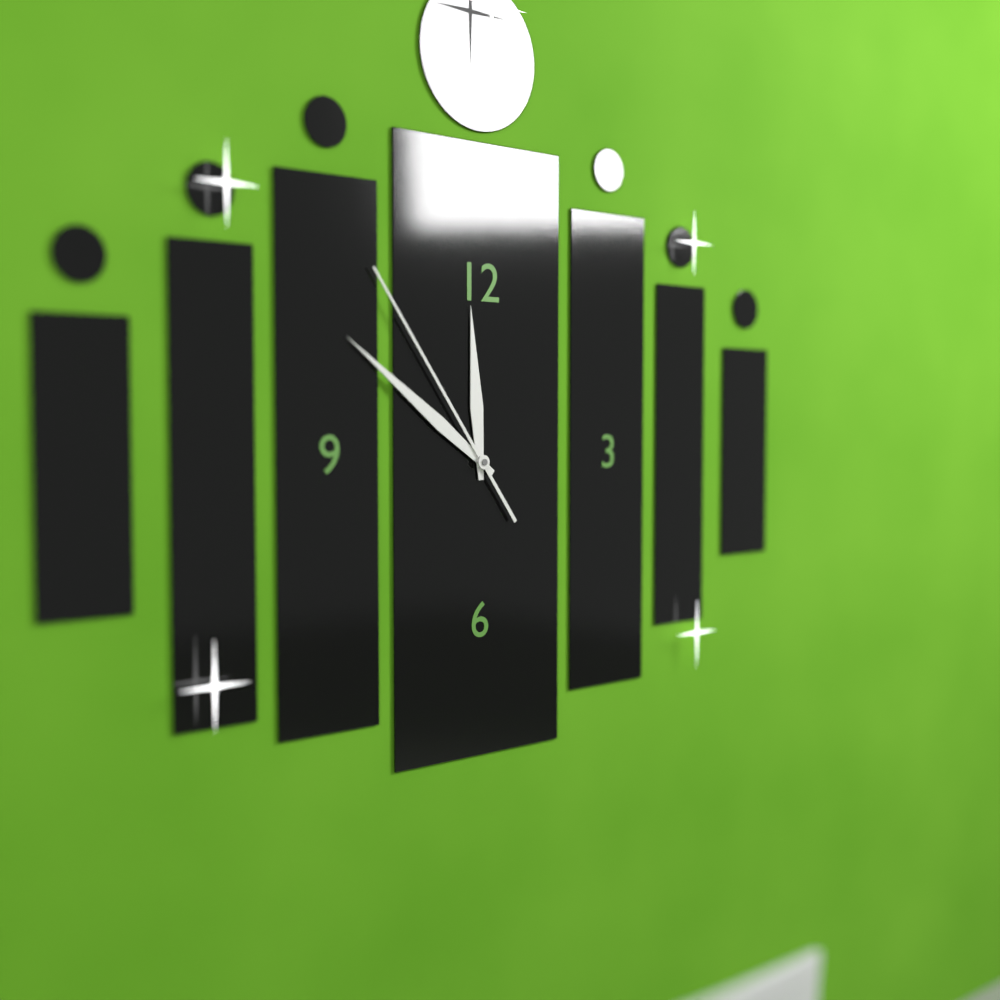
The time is {"hour": 11, "minute": 51, "second": 54}
